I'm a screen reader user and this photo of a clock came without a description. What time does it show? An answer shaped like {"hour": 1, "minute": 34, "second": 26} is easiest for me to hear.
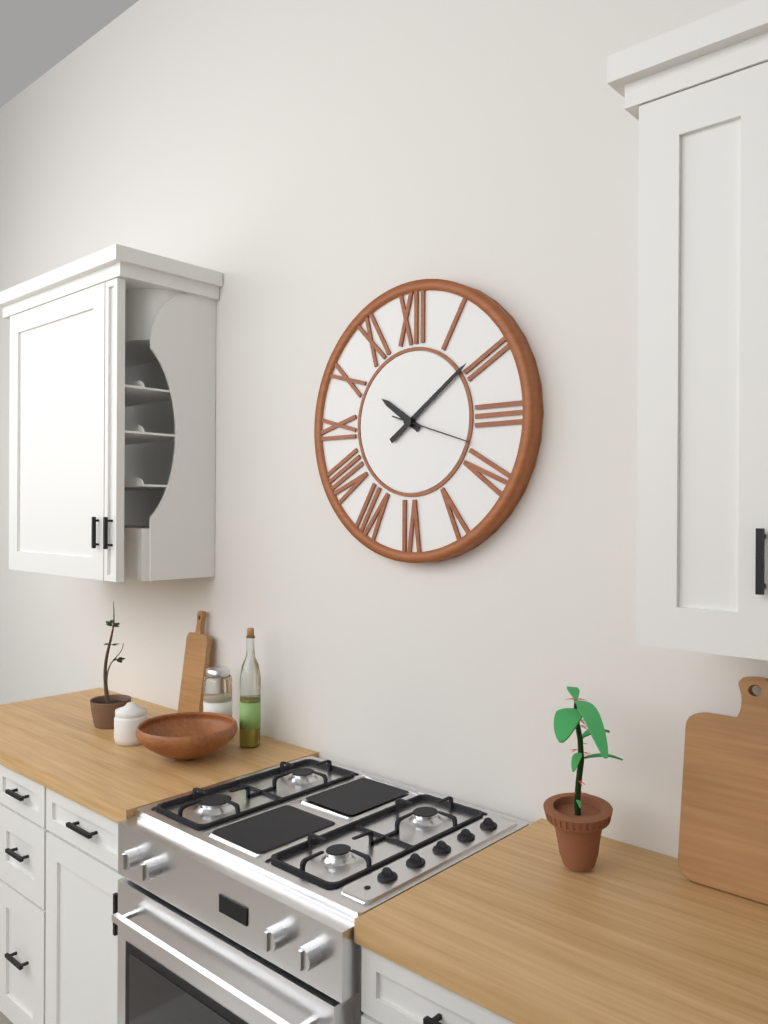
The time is {"hour": 10, "minute": 9, "second": 18}
